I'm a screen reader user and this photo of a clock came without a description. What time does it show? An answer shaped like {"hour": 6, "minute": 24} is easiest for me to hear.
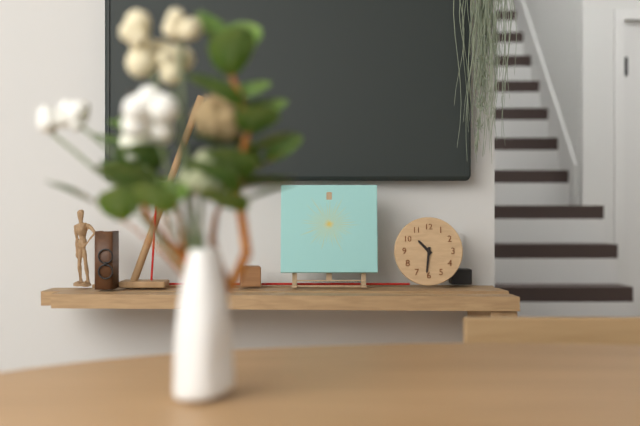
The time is {"hour": 10, "minute": 31}
